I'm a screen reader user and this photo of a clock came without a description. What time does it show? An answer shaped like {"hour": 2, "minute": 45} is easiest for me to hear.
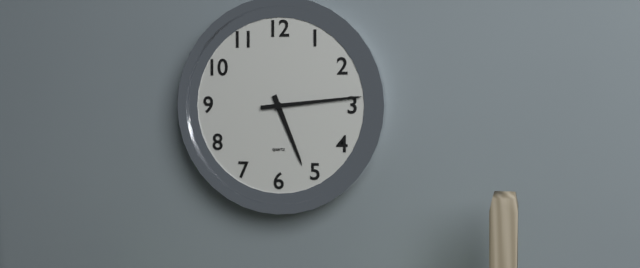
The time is {"hour": 5, "minute": 14}
